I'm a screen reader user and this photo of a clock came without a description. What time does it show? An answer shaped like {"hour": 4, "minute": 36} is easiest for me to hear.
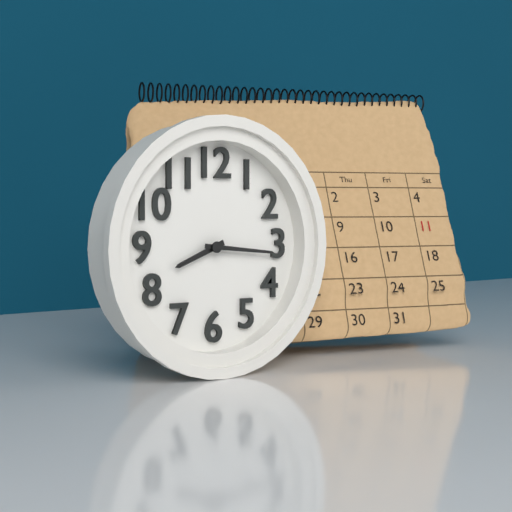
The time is {"hour": 8, "minute": 16}
